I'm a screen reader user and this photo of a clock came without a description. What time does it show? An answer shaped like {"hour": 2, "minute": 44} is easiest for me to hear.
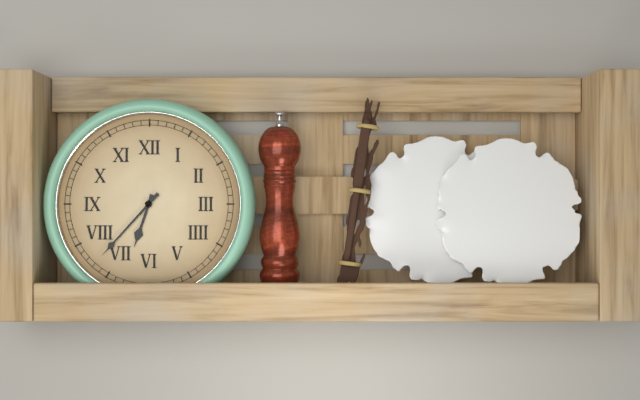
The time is {"hour": 6, "minute": 37}
